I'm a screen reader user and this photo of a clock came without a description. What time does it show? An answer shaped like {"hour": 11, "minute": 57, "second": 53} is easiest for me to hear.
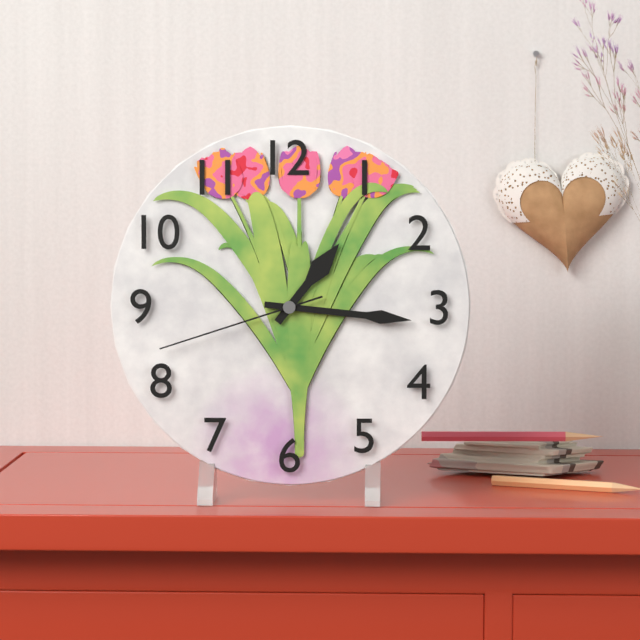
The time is {"hour": 1, "minute": 16, "second": 42}
